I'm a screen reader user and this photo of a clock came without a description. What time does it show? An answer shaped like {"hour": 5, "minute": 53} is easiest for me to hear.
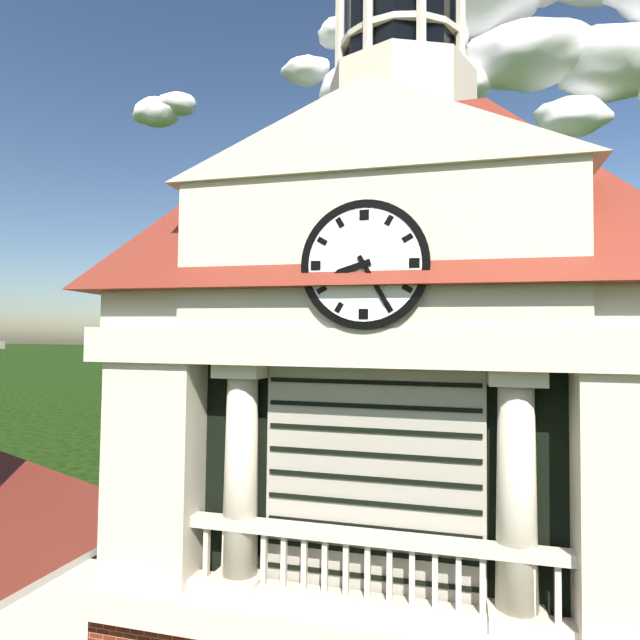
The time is {"hour": 8, "minute": 25}
